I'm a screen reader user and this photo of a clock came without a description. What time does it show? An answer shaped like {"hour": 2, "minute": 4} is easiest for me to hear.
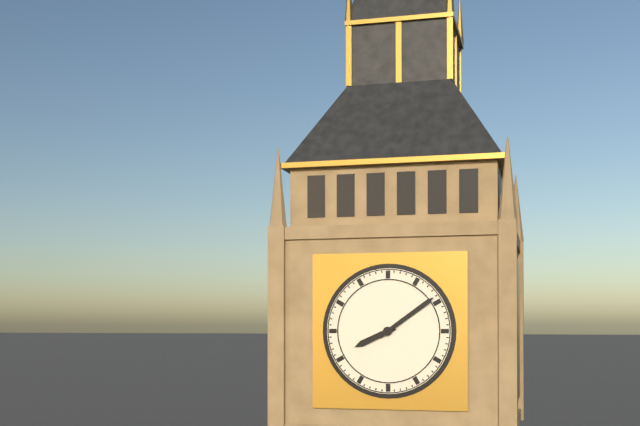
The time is {"hour": 8, "minute": 9}
